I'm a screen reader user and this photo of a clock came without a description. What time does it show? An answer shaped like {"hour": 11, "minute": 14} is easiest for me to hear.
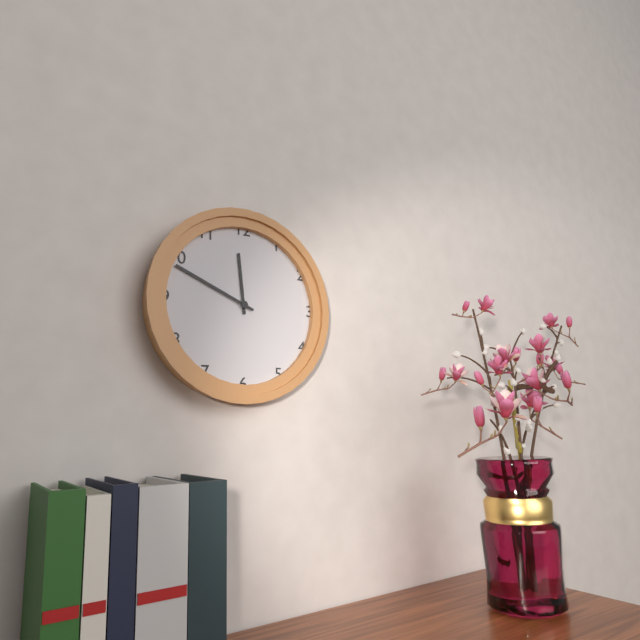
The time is {"hour": 11, "minute": 49}
